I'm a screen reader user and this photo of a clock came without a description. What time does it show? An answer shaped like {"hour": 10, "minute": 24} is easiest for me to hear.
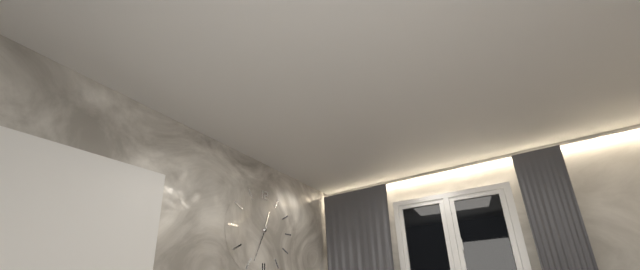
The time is {"hour": 12, "minute": 34}
